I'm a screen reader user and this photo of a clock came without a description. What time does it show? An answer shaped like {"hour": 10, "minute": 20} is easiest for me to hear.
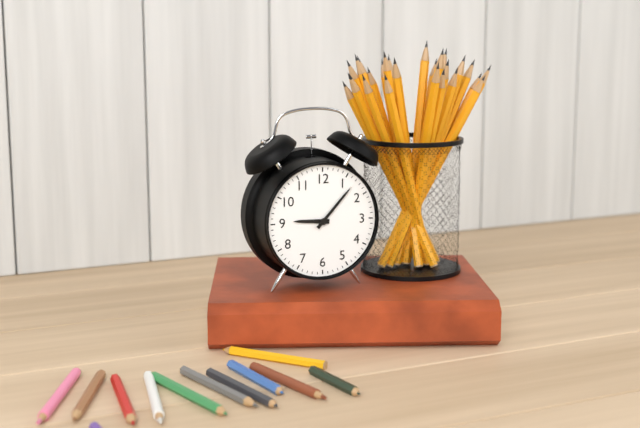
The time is {"hour": 9, "minute": 7}
